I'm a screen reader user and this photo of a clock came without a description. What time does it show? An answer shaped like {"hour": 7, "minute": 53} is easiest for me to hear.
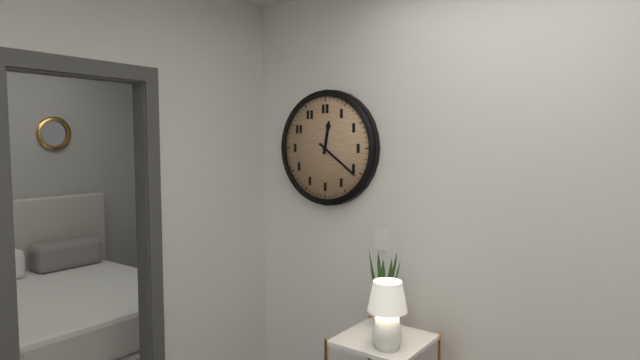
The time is {"hour": 12, "minute": 21}
